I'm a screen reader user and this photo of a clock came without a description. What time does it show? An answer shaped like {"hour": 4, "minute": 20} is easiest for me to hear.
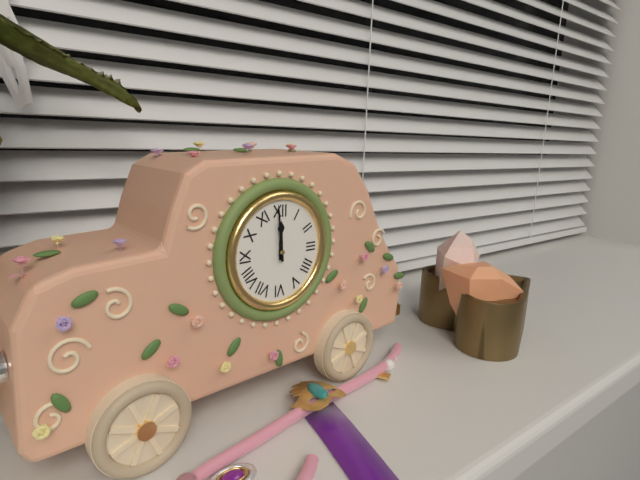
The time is {"hour": 11, "minute": 59}
